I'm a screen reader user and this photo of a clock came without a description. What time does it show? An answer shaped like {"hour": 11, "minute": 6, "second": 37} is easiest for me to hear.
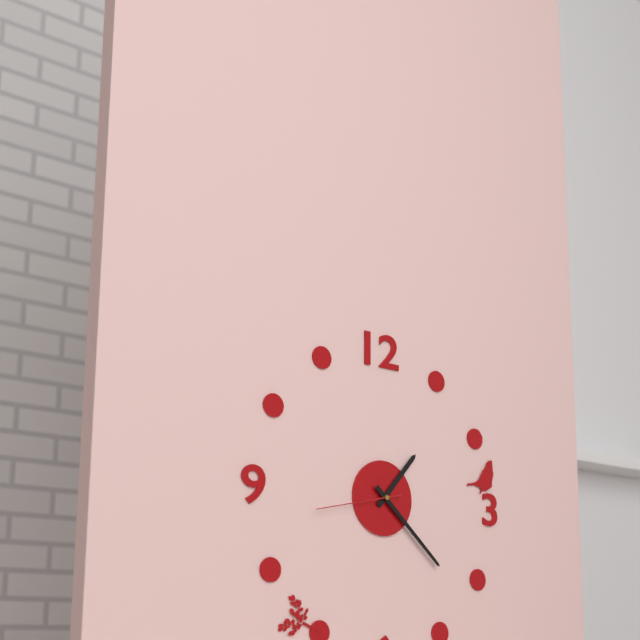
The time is {"hour": 1, "minute": 22, "second": 43}
